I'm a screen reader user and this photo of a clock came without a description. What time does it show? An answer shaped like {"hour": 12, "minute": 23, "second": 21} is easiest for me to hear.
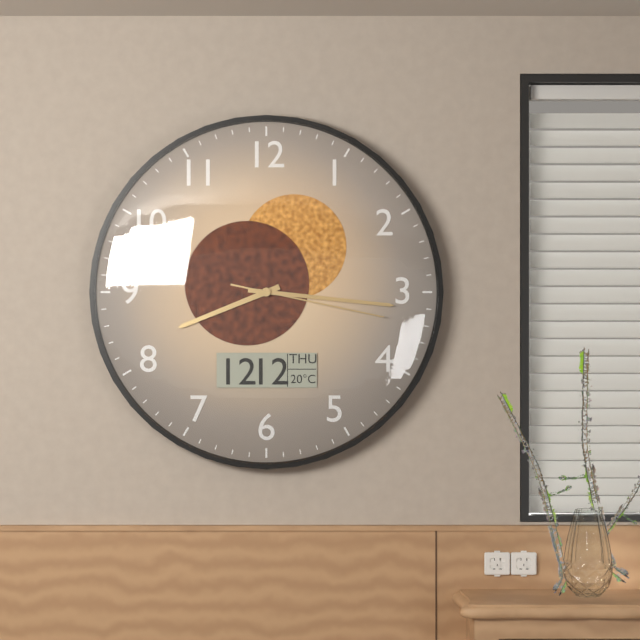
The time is {"hour": 8, "minute": 16, "second": 17}
